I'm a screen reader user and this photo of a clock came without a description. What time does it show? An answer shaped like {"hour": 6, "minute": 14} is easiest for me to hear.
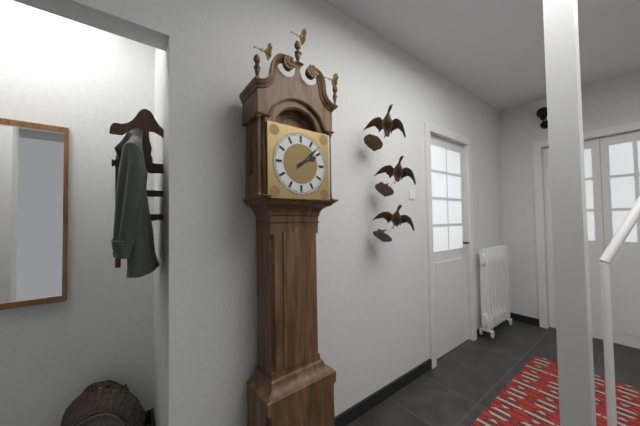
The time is {"hour": 2, "minute": 8}
